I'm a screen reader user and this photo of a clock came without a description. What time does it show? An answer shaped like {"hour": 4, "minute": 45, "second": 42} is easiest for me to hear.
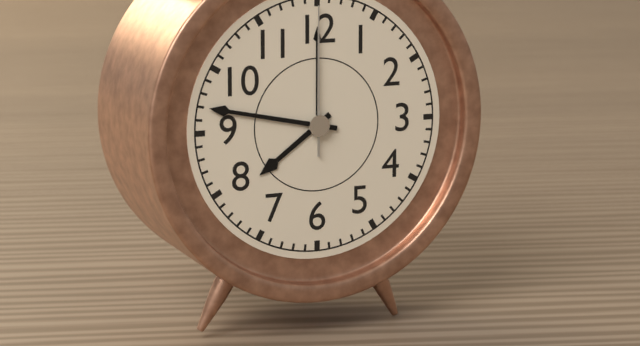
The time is {"hour": 7, "minute": 47, "second": 0}
